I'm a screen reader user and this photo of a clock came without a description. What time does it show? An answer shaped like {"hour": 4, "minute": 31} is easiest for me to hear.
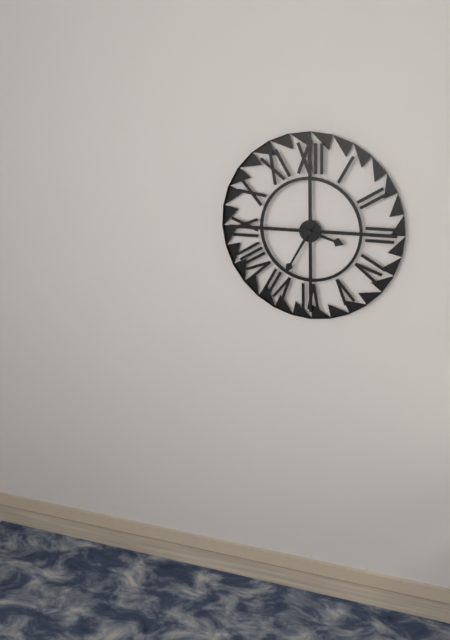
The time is {"hour": 3, "minute": 35}
